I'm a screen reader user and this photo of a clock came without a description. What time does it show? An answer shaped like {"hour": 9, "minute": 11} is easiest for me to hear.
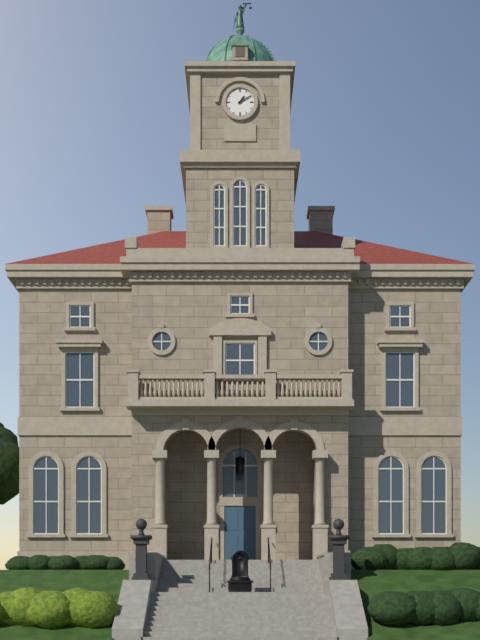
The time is {"hour": 1, "minute": 10}
